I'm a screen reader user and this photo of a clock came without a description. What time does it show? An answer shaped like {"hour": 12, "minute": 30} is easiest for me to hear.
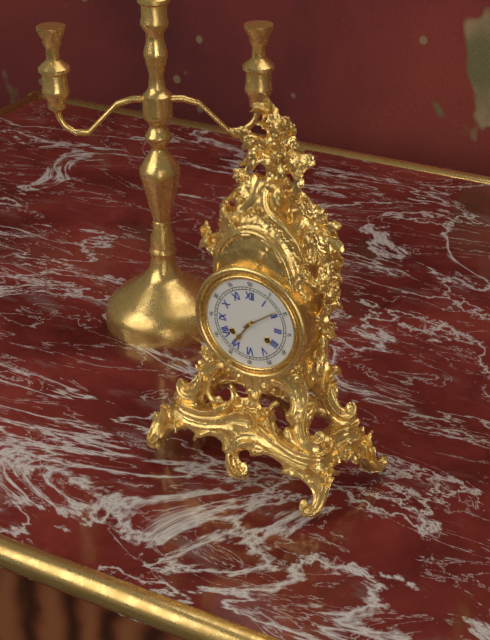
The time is {"hour": 7, "minute": 9}
